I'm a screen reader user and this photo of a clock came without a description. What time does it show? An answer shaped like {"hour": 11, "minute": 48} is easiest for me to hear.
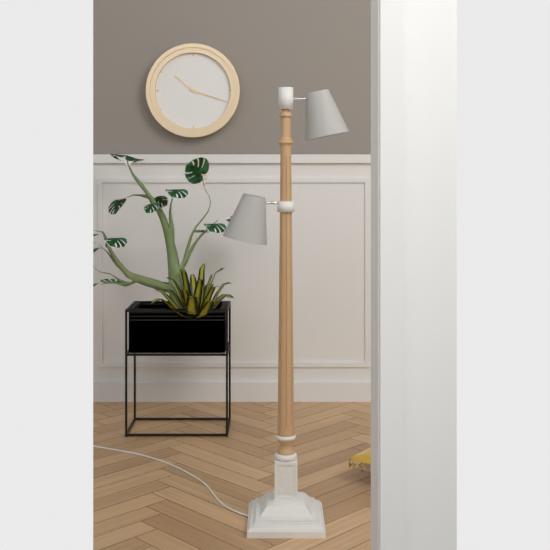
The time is {"hour": 10, "minute": 18}
